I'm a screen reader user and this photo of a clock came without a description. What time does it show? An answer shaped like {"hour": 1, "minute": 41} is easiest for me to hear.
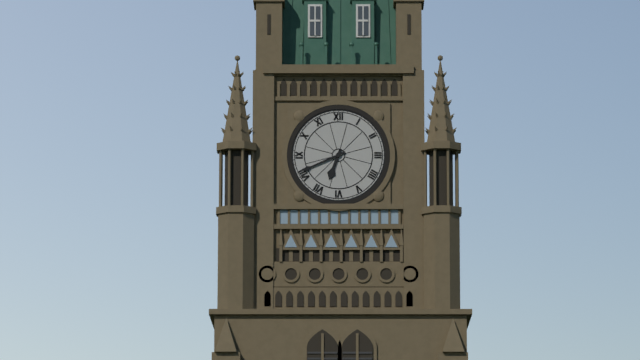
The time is {"hour": 6, "minute": 41}
